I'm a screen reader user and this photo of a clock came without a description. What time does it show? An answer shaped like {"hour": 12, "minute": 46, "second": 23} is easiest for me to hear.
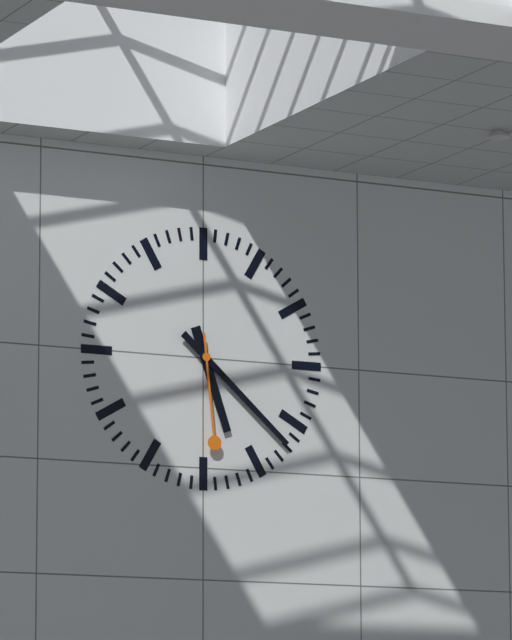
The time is {"hour": 5, "minute": 22, "second": 29}
